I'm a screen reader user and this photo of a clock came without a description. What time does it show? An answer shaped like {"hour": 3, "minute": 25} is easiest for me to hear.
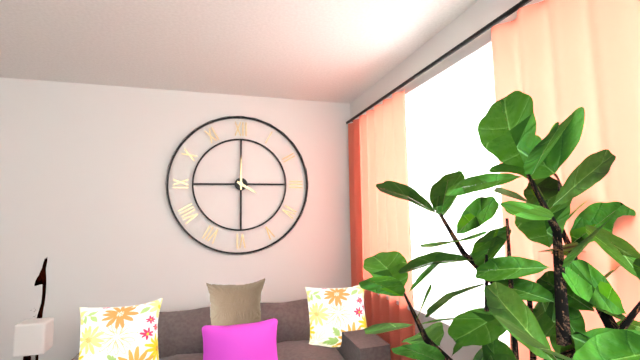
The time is {"hour": 4, "minute": 0}
